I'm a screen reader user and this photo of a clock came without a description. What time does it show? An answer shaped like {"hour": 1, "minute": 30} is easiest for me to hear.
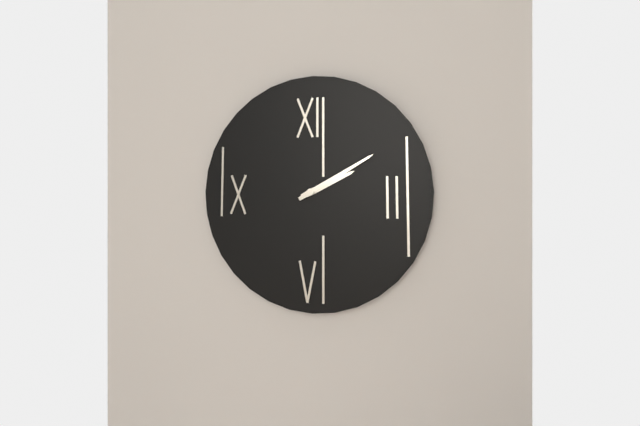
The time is {"hour": 2, "minute": 10}
